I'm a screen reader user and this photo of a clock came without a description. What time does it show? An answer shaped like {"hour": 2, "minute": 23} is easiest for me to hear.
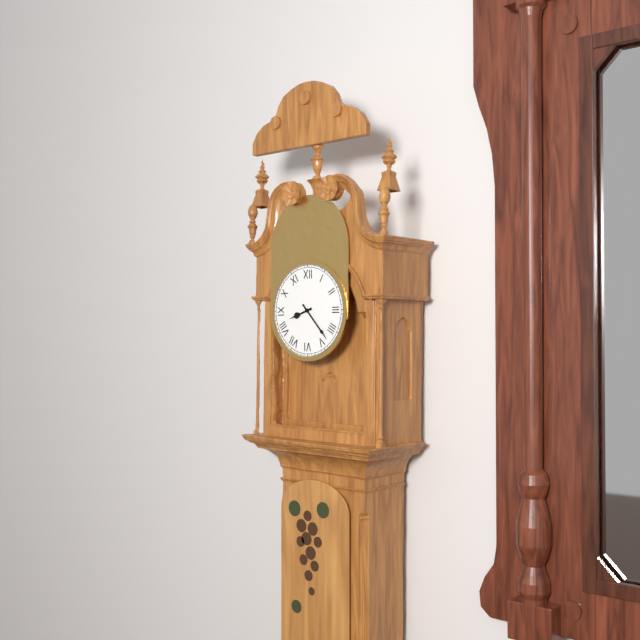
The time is {"hour": 8, "minute": 23}
